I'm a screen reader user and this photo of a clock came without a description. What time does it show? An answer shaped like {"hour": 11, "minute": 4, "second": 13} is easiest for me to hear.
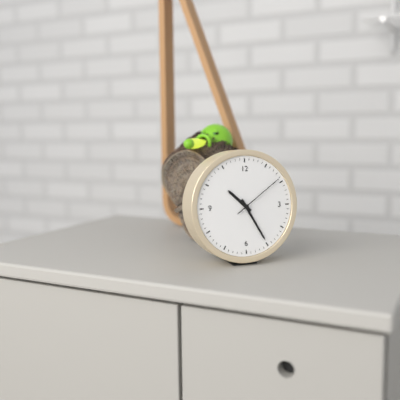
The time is {"hour": 10, "minute": 25, "second": 9}
